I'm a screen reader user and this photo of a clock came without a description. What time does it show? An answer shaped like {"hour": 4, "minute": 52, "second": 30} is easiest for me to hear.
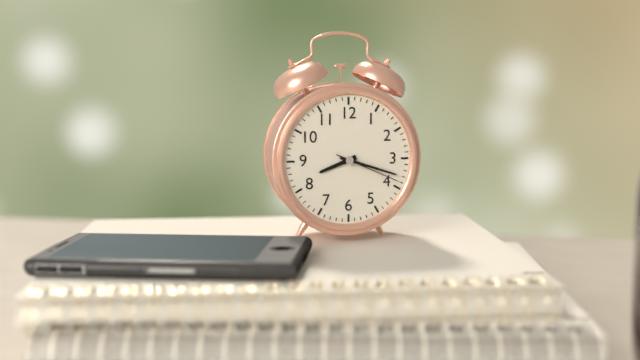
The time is {"hour": 8, "minute": 18, "second": 19}
